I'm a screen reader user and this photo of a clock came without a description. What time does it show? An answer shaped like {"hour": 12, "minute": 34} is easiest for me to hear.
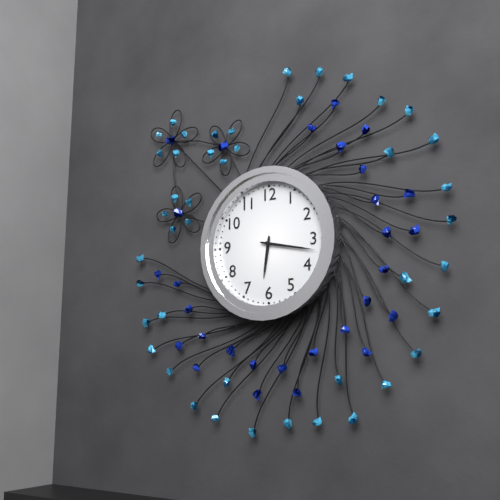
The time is {"hour": 6, "minute": 17}
